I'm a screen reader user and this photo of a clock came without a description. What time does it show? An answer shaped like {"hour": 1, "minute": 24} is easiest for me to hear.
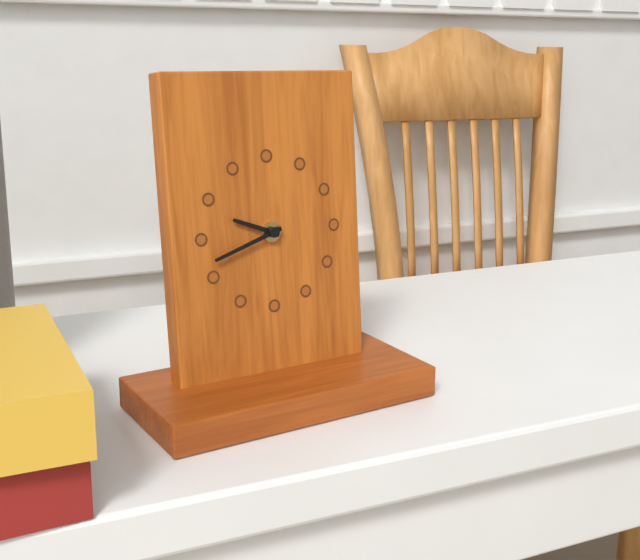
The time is {"hour": 9, "minute": 42}
